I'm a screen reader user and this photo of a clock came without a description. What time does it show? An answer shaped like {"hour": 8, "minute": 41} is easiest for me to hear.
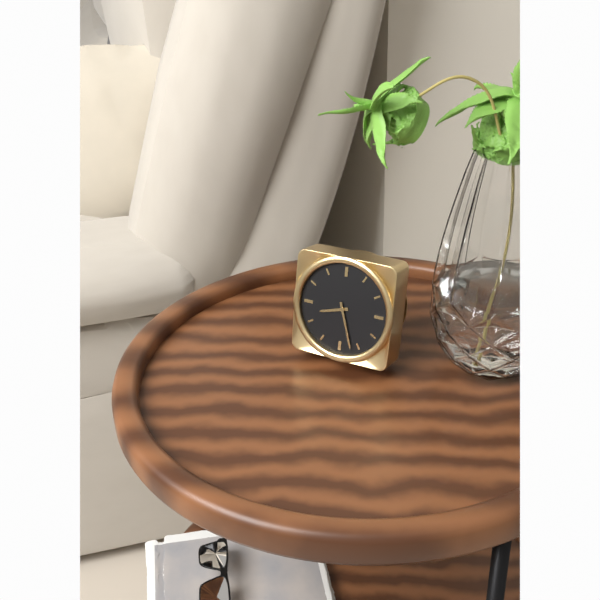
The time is {"hour": 8, "minute": 27}
